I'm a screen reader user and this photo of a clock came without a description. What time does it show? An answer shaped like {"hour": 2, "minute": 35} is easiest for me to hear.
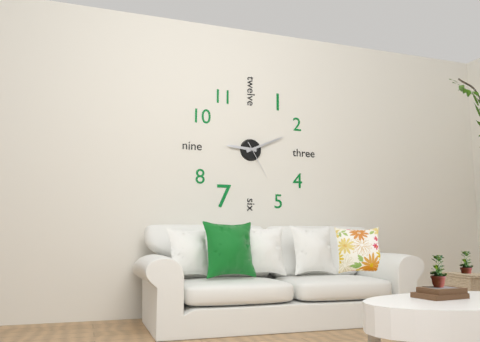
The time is {"hour": 9, "minute": 11}
